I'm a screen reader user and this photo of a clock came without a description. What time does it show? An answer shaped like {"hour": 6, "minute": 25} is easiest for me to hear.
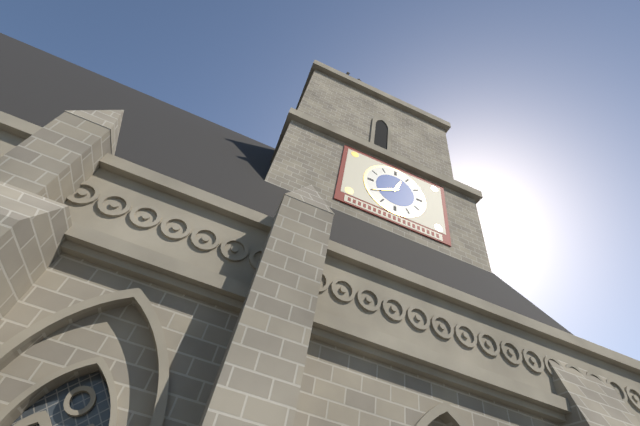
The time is {"hour": 12, "minute": 40}
